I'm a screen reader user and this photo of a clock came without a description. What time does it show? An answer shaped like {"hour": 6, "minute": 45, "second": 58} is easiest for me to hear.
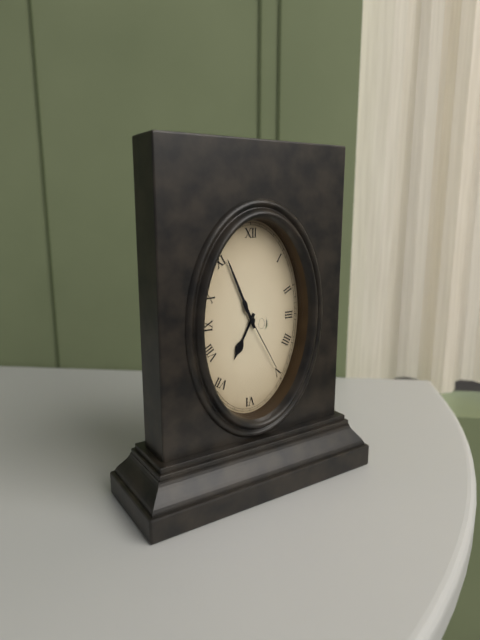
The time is {"hour": 6, "minute": 56, "second": 25}
